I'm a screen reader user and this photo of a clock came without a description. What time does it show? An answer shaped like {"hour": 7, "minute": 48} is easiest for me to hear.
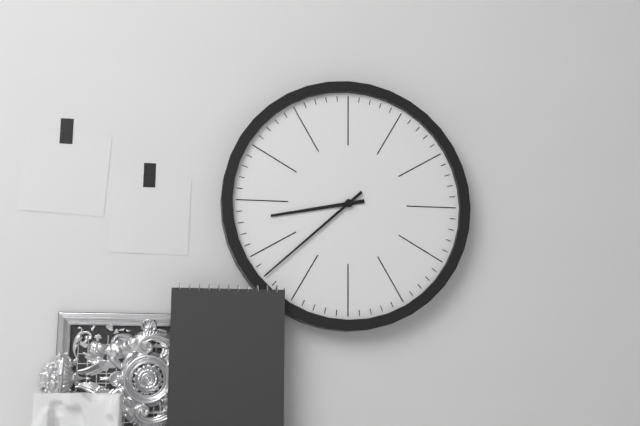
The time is {"hour": 8, "minute": 38}
